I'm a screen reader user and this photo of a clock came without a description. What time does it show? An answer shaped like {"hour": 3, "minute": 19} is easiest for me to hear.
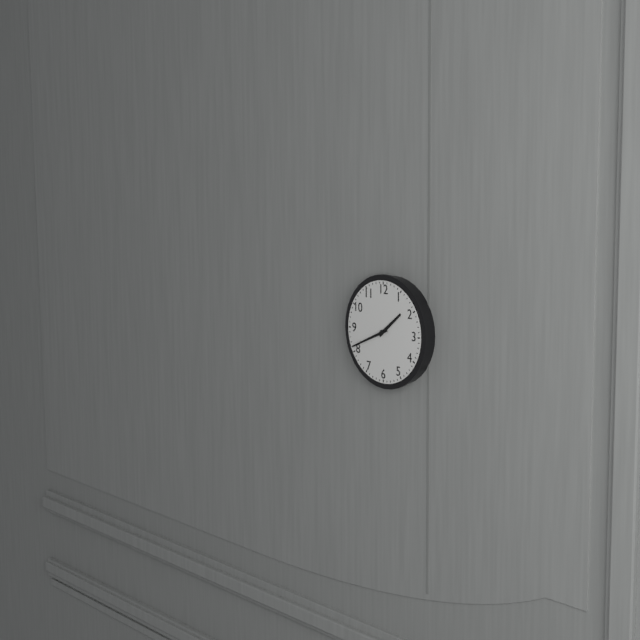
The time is {"hour": 1, "minute": 41}
